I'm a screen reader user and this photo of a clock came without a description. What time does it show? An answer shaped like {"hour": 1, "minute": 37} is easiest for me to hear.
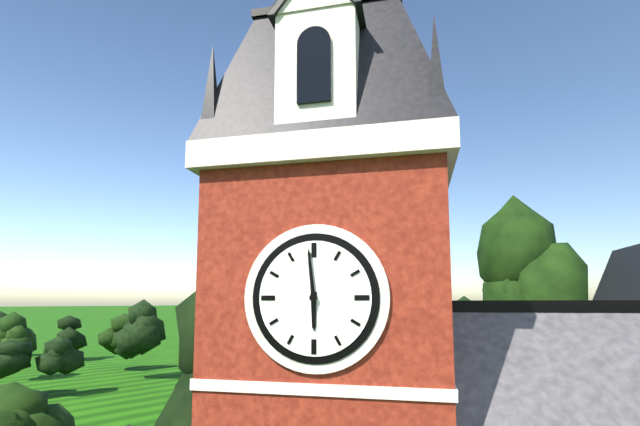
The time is {"hour": 5, "minute": 59}
